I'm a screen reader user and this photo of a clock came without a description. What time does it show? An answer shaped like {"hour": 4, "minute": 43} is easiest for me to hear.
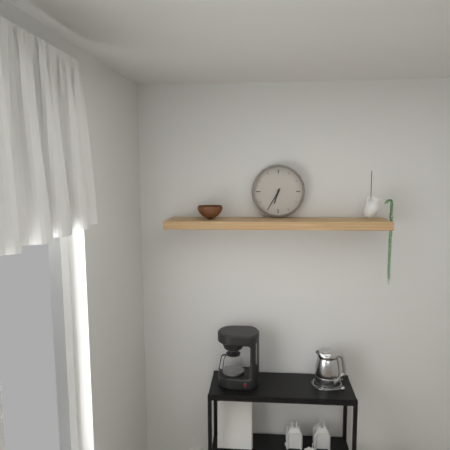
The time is {"hour": 6, "minute": 35}
